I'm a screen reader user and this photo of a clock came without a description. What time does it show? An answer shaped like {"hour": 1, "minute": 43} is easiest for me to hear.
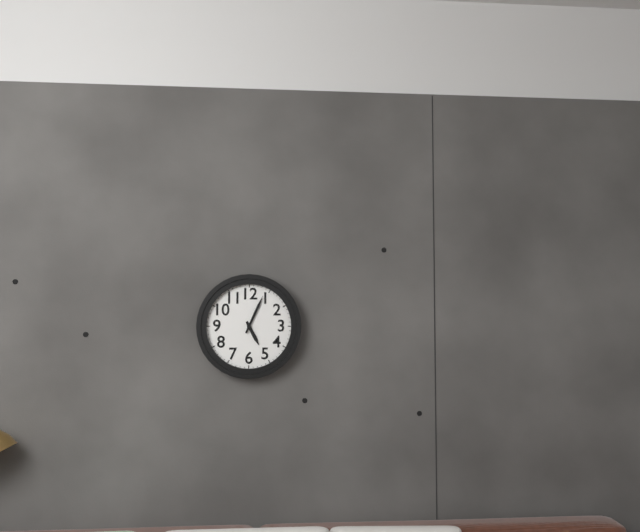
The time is {"hour": 5, "minute": 4}
